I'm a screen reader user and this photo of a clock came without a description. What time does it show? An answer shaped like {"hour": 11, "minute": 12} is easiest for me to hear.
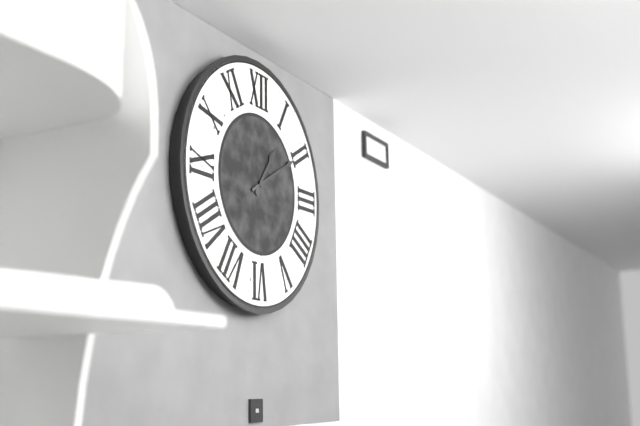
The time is {"hour": 1, "minute": 10}
